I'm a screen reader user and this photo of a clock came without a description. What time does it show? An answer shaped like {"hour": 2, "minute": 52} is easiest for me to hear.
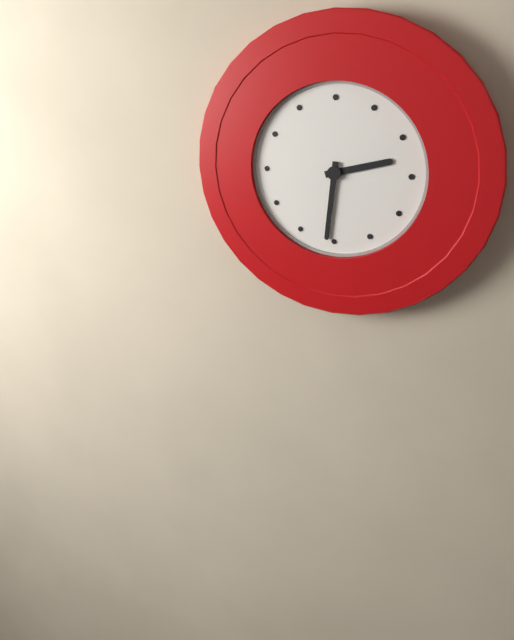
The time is {"hour": 2, "minute": 31}
